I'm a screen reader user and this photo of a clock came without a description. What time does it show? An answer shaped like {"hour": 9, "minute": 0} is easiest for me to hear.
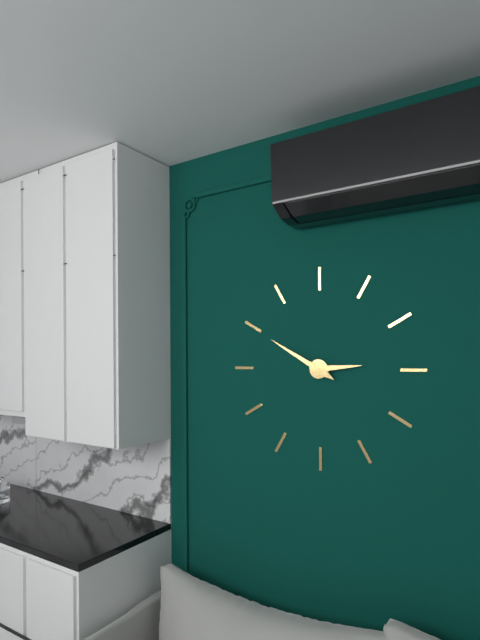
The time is {"hour": 2, "minute": 50}
